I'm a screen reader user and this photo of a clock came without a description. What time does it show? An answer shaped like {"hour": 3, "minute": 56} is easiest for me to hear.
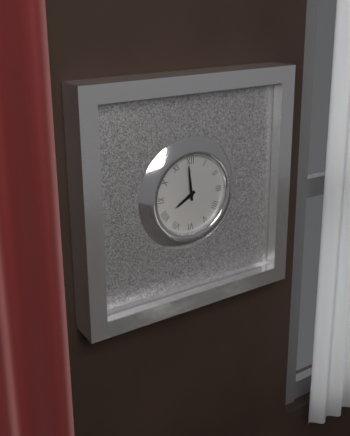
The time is {"hour": 7, "minute": 59}
